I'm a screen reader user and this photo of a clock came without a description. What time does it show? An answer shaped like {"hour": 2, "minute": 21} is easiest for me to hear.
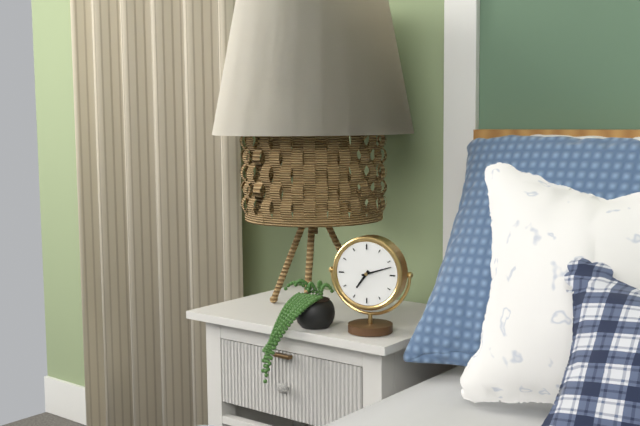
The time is {"hour": 7, "minute": 12}
